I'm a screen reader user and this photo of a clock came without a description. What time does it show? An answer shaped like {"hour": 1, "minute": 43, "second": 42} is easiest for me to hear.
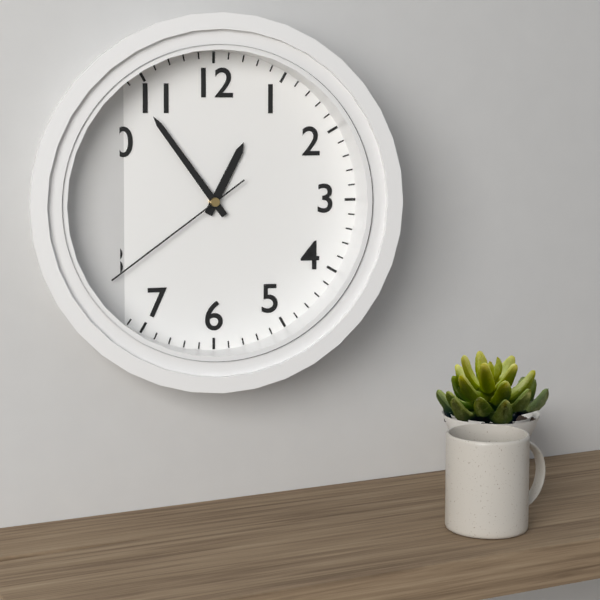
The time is {"hour": 12, "minute": 54, "second": 39}
